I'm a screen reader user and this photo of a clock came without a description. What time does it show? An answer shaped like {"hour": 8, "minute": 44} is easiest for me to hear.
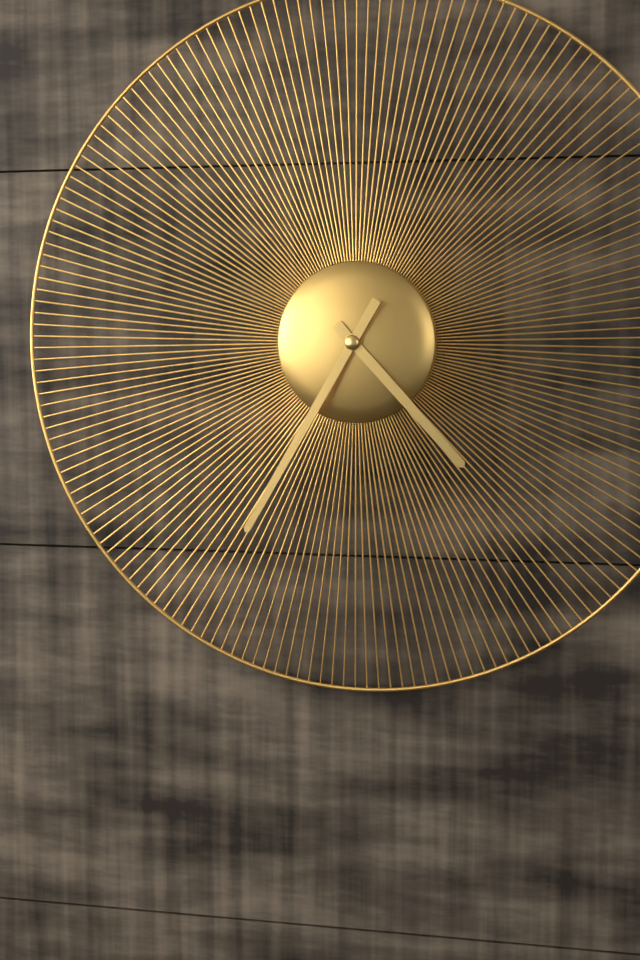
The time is {"hour": 4, "minute": 35}
